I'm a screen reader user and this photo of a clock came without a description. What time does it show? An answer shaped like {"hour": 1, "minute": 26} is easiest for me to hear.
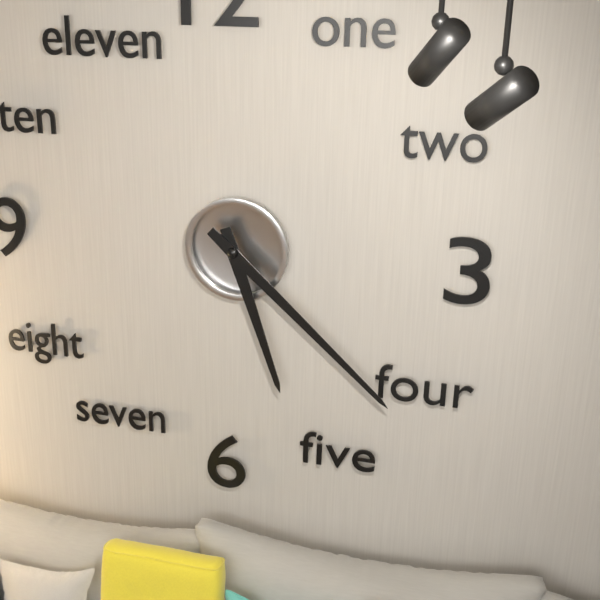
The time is {"hour": 5, "minute": 22}
